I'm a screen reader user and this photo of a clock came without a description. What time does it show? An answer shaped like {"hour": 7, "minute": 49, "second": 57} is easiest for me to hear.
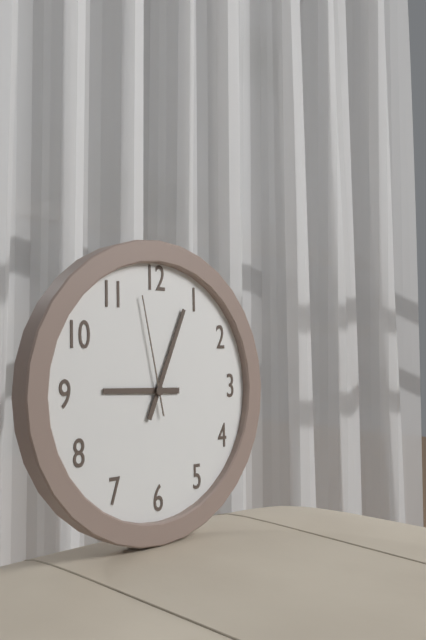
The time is {"hour": 9, "minute": 4, "second": 58}
